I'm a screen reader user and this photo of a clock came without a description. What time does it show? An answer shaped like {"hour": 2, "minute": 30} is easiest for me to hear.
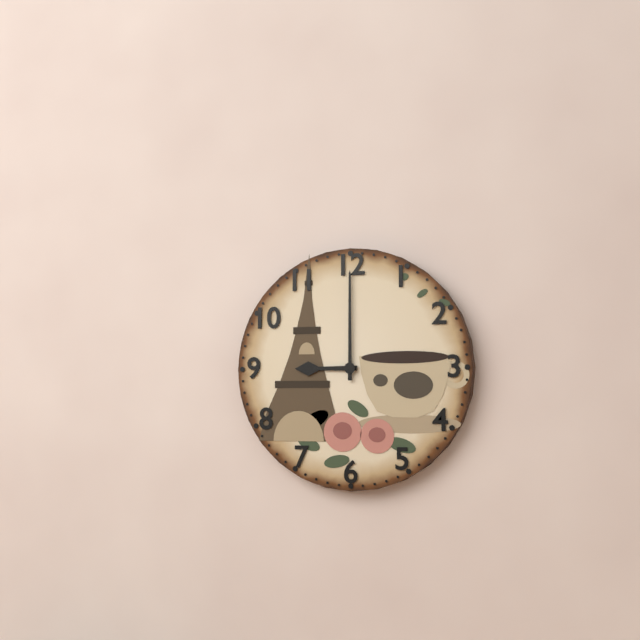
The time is {"hour": 9, "minute": 0}
